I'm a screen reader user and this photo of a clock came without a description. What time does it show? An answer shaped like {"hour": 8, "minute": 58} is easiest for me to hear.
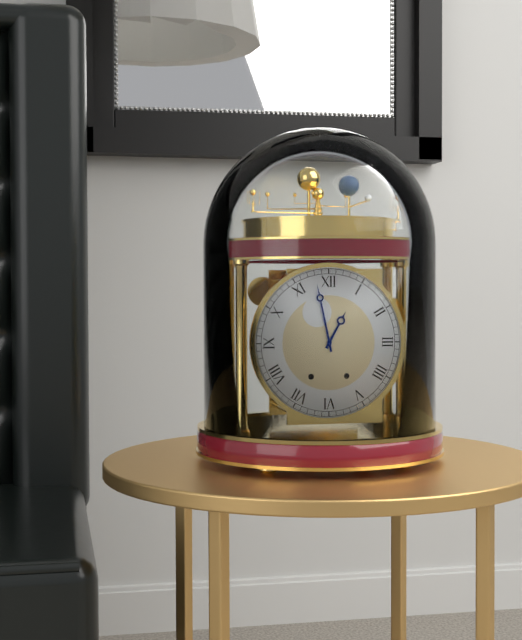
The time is {"hour": 12, "minute": 58}
